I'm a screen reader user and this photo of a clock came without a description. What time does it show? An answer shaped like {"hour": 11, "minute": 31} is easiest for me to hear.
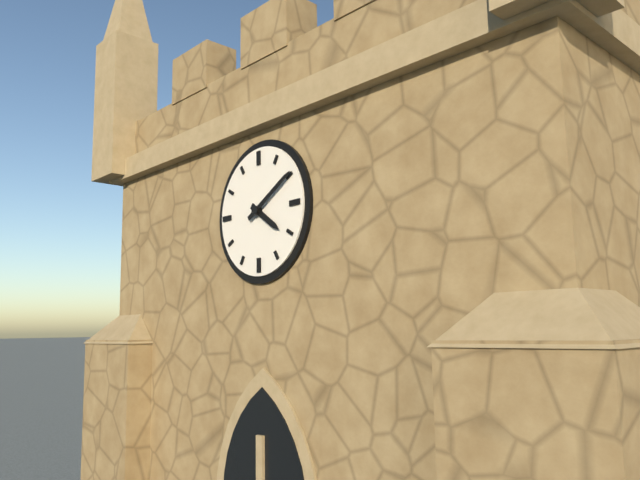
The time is {"hour": 4, "minute": 10}
